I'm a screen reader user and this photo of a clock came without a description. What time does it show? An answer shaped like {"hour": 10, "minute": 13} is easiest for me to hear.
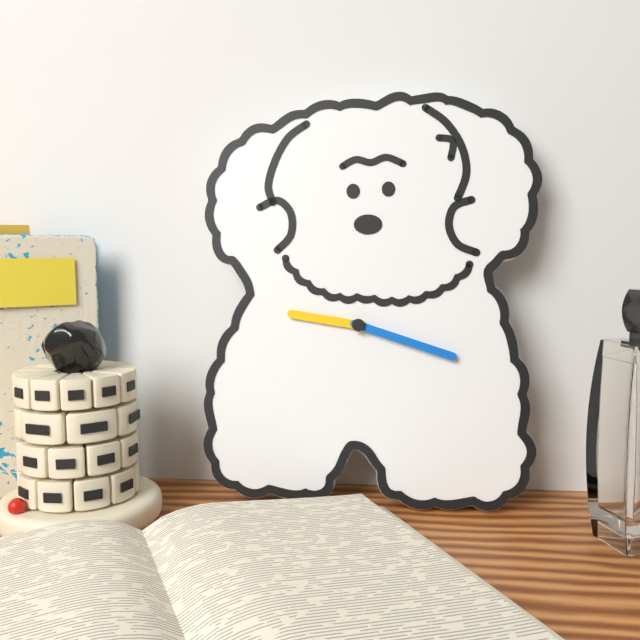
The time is {"hour": 9, "minute": 18}
